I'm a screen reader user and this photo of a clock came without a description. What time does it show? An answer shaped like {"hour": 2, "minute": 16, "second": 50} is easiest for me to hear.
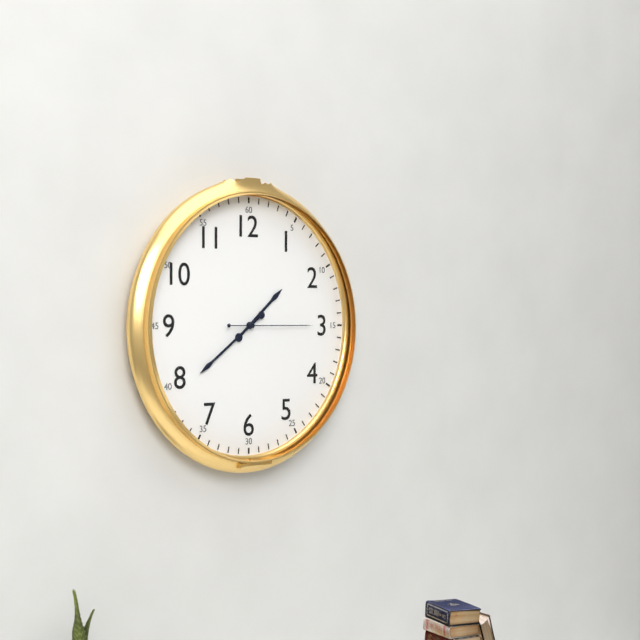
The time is {"hour": 1, "minute": 39, "second": 15}
